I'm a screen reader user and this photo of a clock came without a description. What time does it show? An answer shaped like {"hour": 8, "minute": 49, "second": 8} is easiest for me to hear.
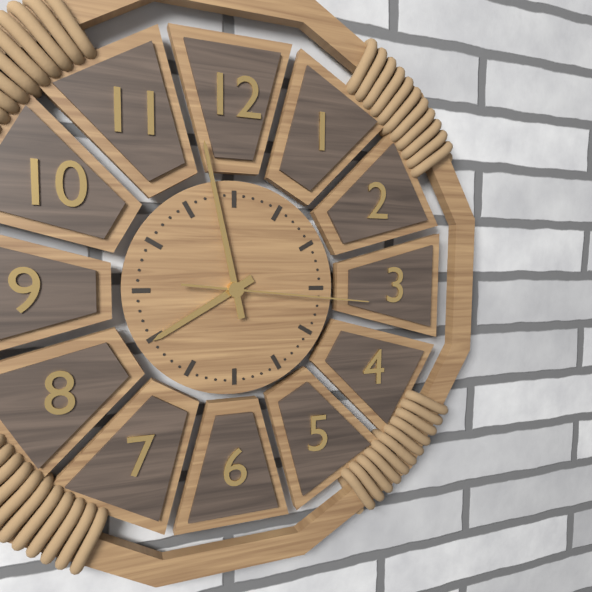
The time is {"hour": 7, "minute": 58, "second": 16}
